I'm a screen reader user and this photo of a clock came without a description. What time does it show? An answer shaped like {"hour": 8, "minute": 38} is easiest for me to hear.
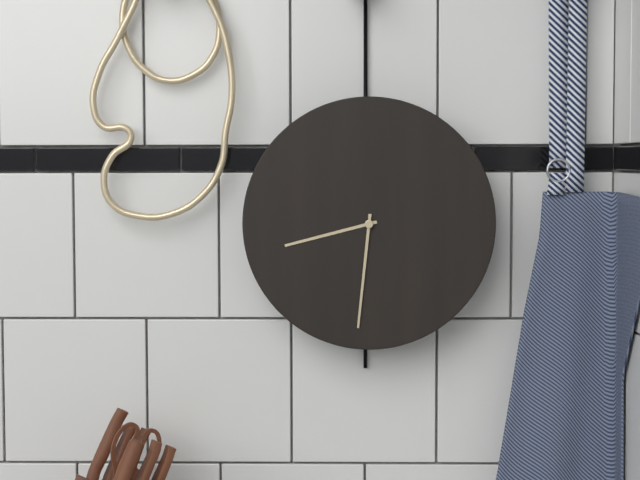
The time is {"hour": 8, "minute": 31}
